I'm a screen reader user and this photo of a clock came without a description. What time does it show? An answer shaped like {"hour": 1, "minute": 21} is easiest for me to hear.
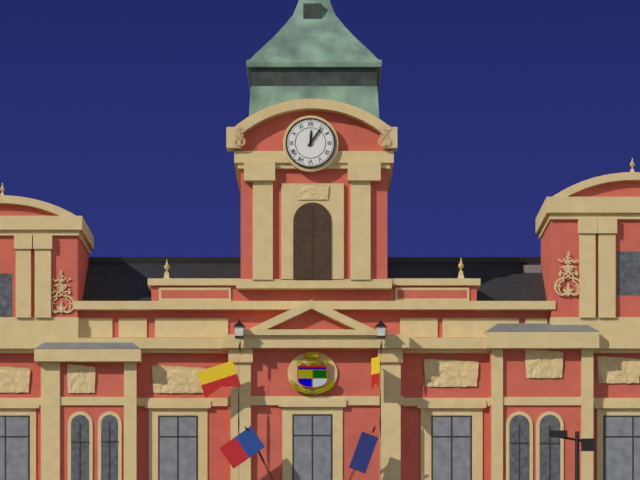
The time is {"hour": 12, "minute": 6}
